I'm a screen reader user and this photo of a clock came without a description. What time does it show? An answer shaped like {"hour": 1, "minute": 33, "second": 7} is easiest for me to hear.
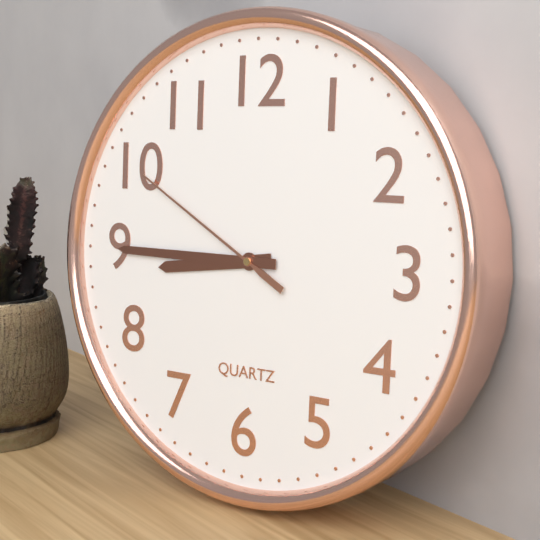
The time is {"hour": 8, "minute": 45, "second": 50}
